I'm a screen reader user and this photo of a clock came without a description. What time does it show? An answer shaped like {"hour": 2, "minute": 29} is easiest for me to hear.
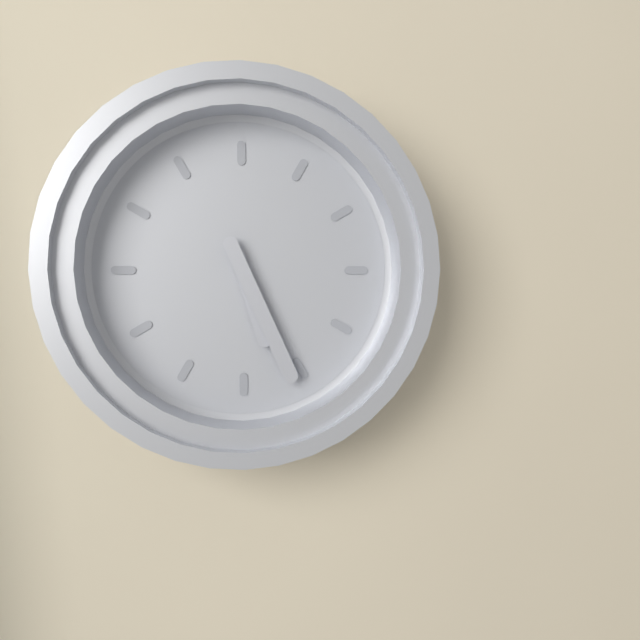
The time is {"hour": 5, "minute": 26}
